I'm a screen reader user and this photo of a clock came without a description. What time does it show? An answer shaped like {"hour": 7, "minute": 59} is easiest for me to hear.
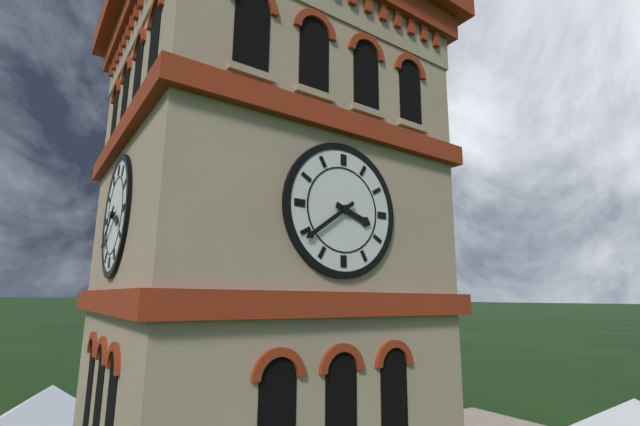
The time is {"hour": 3, "minute": 39}
